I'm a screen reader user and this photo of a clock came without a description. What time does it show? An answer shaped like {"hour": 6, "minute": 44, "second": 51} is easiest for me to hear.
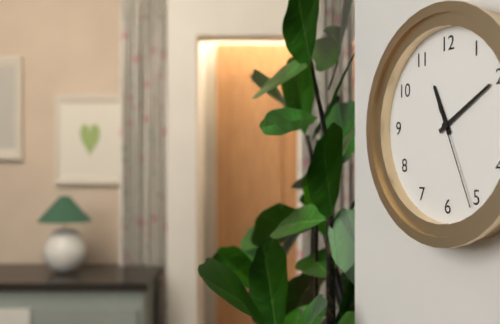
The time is {"hour": 11, "minute": 10, "second": 26}
